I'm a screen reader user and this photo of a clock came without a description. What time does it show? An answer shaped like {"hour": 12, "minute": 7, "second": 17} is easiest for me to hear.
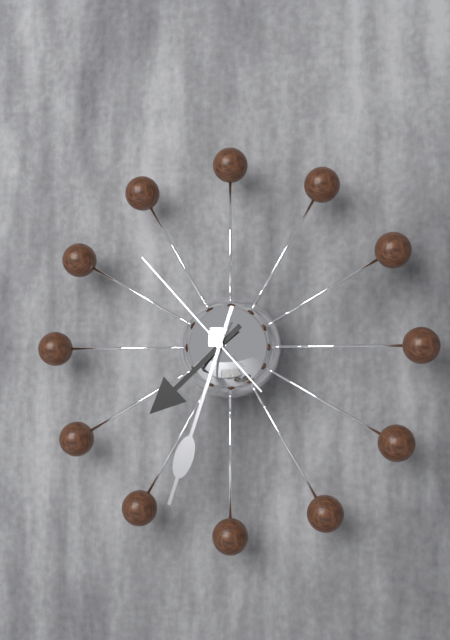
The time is {"hour": 7, "minute": 33, "second": 53}
